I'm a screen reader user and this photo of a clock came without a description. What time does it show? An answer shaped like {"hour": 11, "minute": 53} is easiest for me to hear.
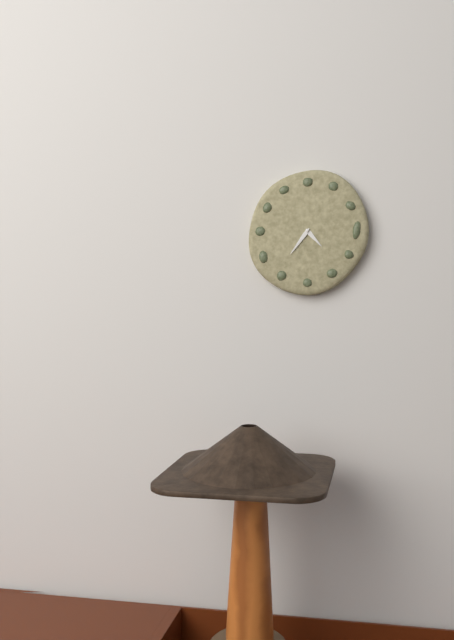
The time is {"hour": 4, "minute": 36}
